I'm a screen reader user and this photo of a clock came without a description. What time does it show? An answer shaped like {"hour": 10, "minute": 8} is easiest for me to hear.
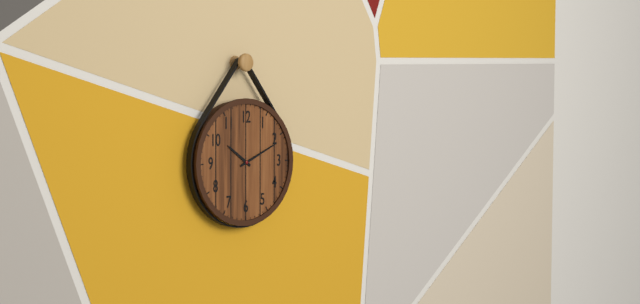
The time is {"hour": 10, "minute": 11}
